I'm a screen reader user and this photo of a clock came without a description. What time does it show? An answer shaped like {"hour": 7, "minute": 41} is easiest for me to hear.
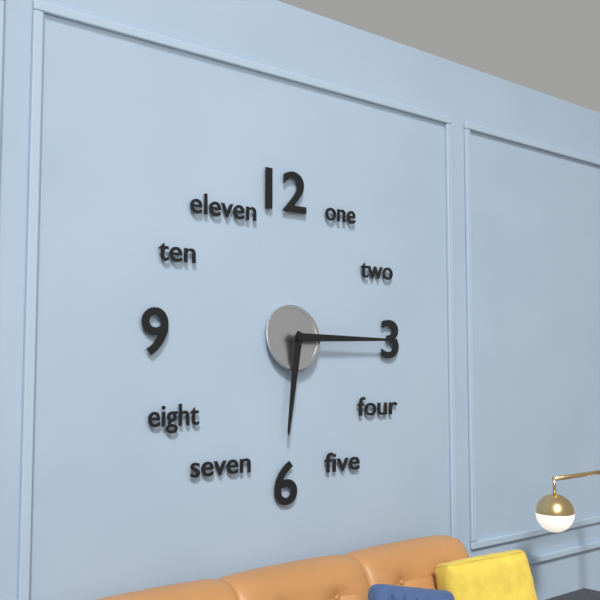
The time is {"hour": 6, "minute": 15}
